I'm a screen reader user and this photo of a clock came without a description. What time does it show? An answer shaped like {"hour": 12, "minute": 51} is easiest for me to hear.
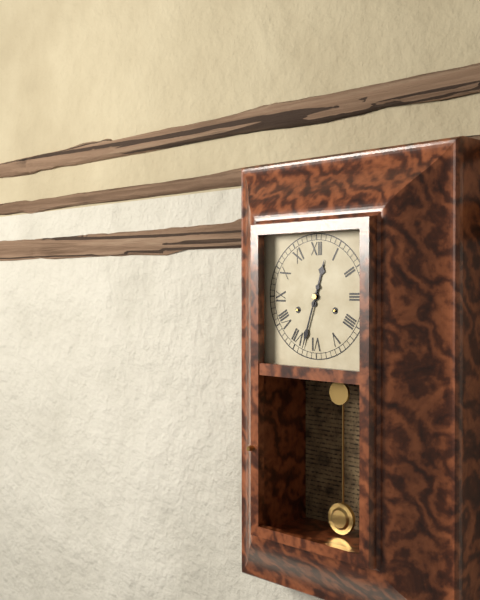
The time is {"hour": 12, "minute": 33}
